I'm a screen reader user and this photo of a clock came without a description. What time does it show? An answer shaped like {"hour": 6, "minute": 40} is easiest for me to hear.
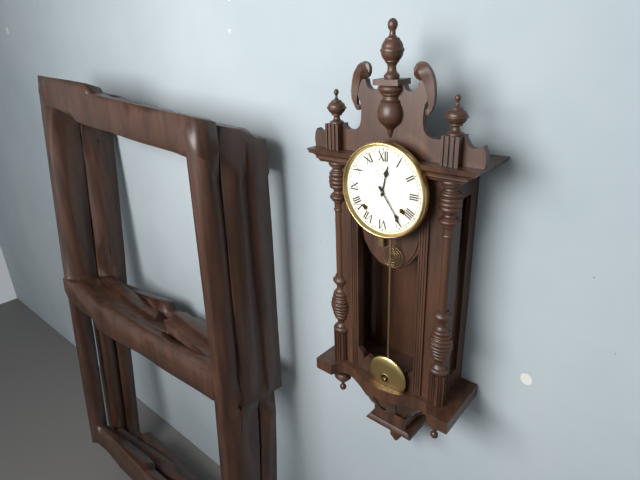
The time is {"hour": 12, "minute": 24}
